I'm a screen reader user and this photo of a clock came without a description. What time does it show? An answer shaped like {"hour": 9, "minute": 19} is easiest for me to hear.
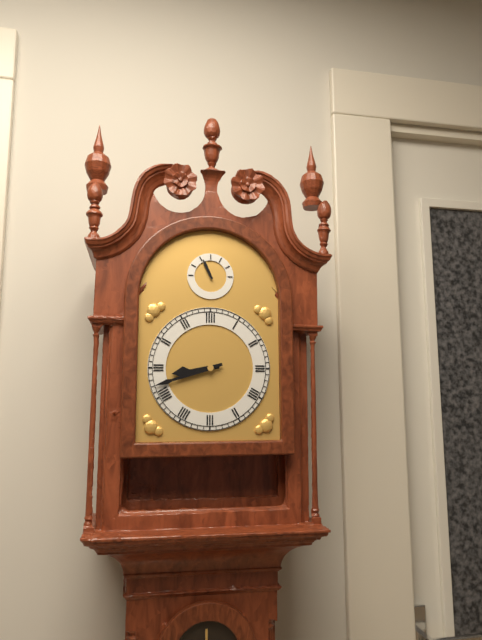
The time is {"hour": 8, "minute": 42}
